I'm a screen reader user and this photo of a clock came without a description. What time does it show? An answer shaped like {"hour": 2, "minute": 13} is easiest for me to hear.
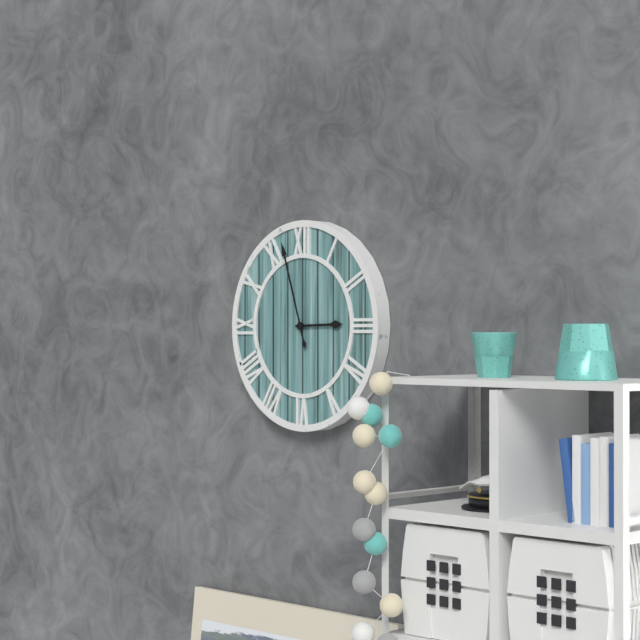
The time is {"hour": 2, "minute": 57}
